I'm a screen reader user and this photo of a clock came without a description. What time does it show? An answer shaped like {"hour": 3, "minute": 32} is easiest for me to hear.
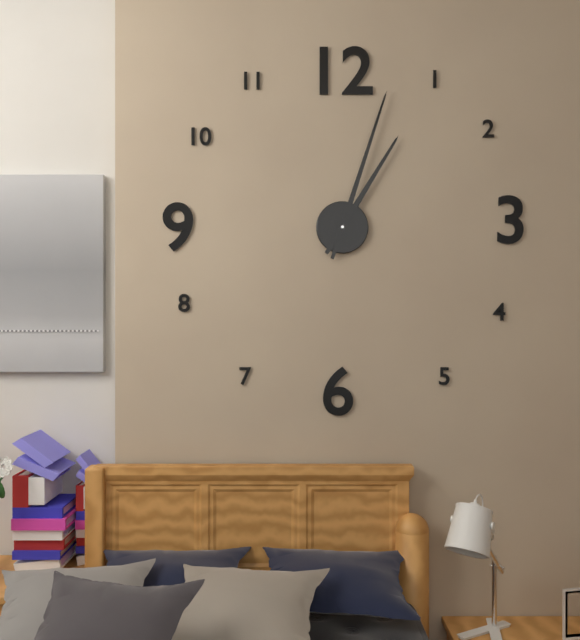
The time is {"hour": 1, "minute": 3}
